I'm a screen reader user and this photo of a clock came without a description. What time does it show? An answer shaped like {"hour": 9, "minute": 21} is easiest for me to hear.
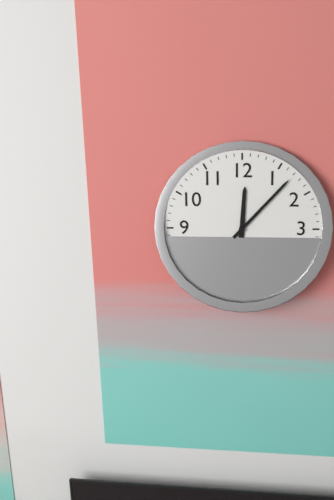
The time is {"hour": 12, "minute": 7}
